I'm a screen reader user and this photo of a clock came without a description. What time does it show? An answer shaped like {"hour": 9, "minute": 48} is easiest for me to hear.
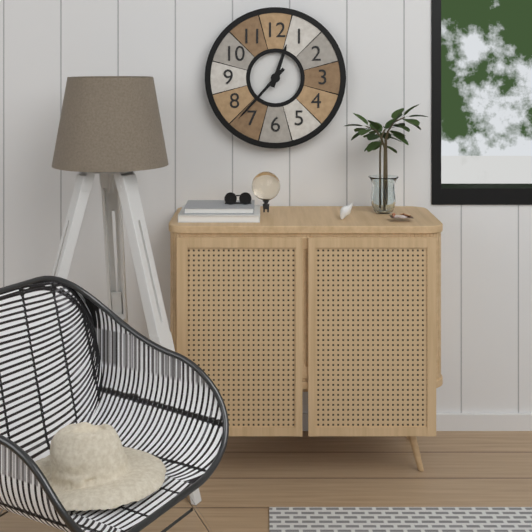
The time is {"hour": 12, "minute": 37}
